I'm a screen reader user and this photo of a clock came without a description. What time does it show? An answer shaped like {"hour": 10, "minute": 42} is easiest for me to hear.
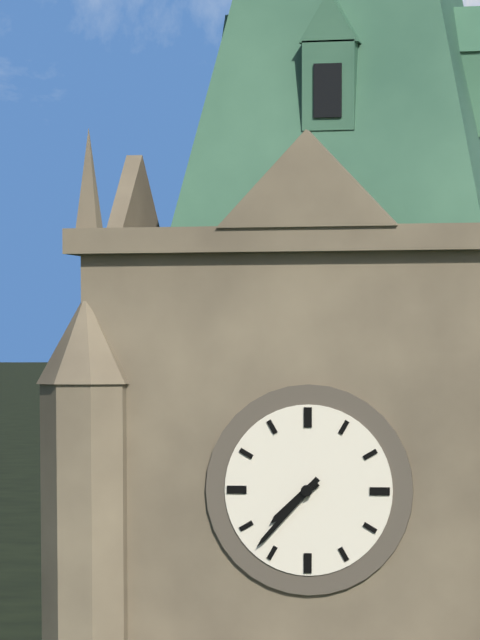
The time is {"hour": 7, "minute": 37}
